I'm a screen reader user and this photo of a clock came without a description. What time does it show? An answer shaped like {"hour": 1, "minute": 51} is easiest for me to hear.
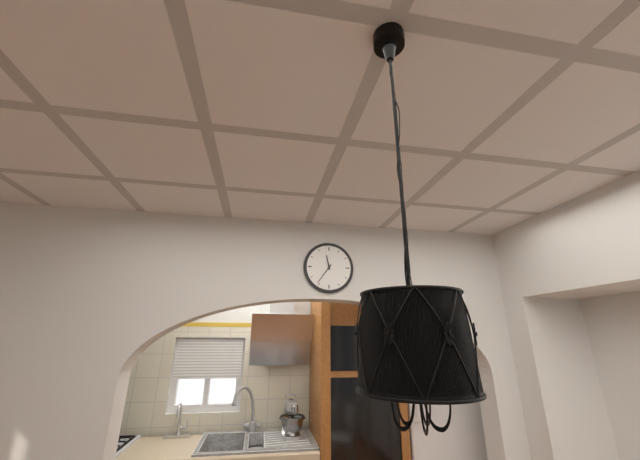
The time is {"hour": 11, "minute": 36}
